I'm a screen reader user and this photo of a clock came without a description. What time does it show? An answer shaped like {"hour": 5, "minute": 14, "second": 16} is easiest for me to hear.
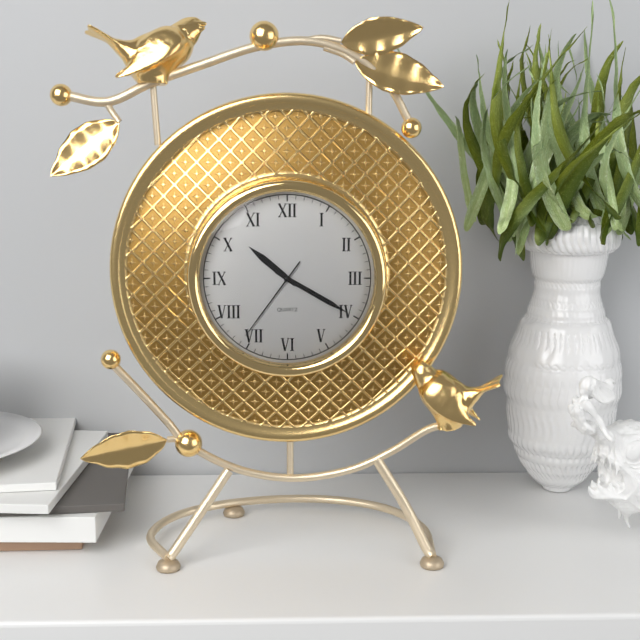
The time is {"hour": 10, "minute": 20, "second": 36}
